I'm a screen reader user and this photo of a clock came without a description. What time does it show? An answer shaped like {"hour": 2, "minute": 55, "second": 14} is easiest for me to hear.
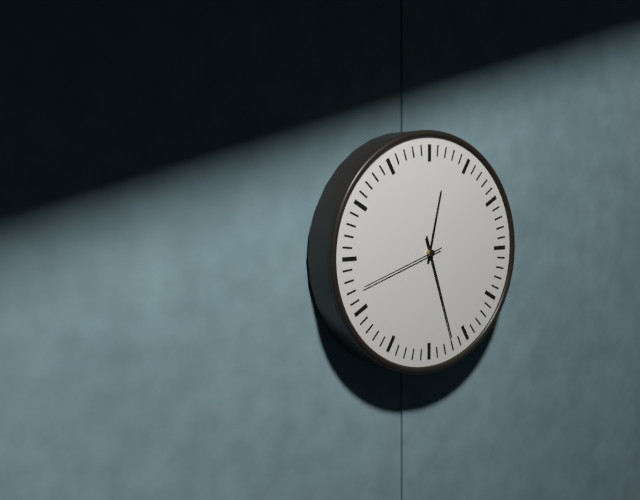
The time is {"hour": 12, "minute": 27, "second": 42}
